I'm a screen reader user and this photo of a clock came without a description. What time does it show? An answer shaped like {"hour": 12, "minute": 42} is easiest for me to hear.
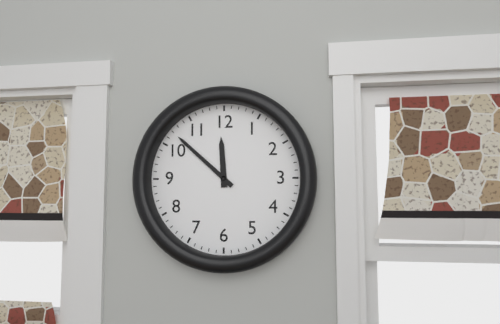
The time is {"hour": 11, "minute": 52}
